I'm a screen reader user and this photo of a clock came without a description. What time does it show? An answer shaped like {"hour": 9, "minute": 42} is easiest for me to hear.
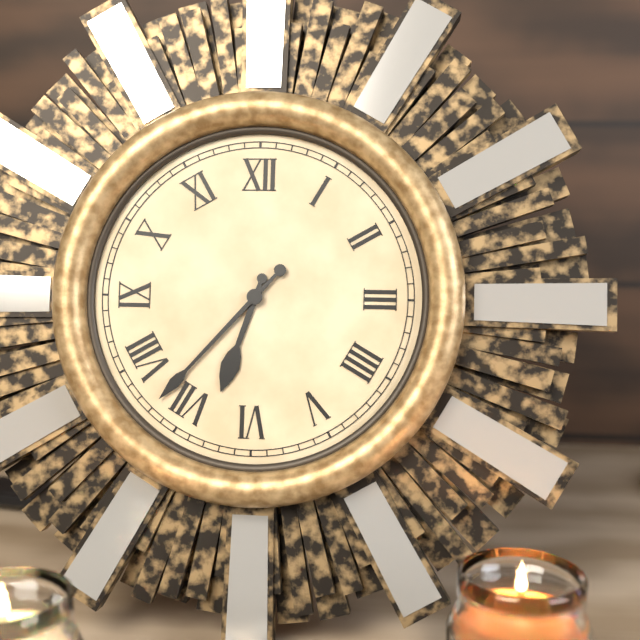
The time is {"hour": 6, "minute": 37}
